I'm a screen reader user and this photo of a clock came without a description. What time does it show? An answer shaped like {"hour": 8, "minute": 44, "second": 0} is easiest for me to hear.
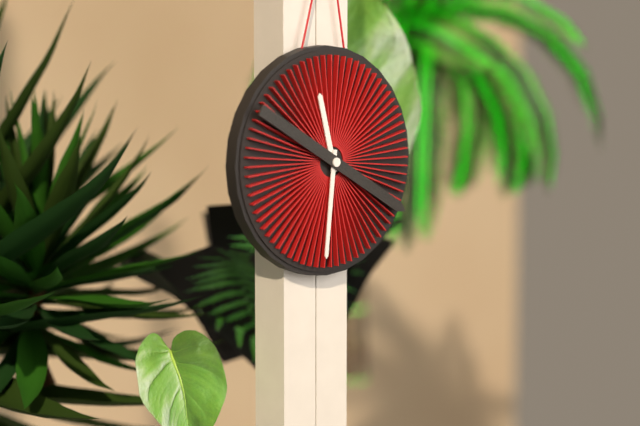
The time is {"hour": 11, "minute": 31, "second": 20}
